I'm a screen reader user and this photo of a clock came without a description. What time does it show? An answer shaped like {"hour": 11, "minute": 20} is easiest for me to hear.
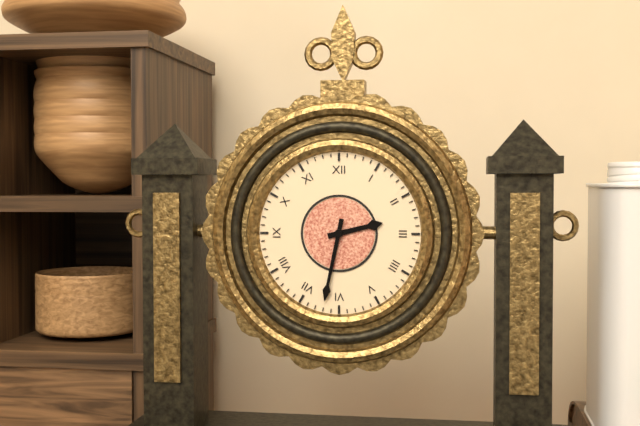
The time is {"hour": 2, "minute": 32}
